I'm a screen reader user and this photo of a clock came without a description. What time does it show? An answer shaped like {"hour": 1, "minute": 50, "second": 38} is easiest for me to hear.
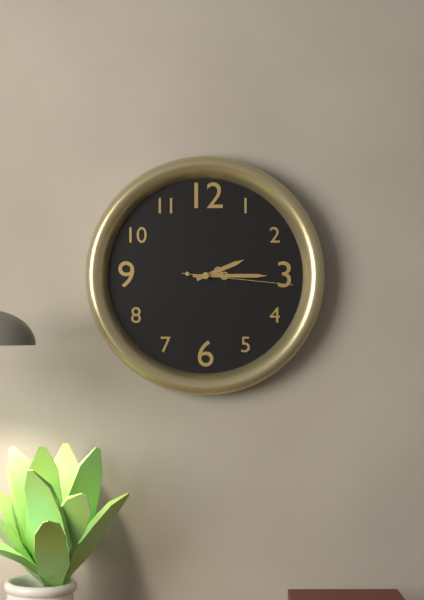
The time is {"hour": 2, "minute": 15, "second": 16}
